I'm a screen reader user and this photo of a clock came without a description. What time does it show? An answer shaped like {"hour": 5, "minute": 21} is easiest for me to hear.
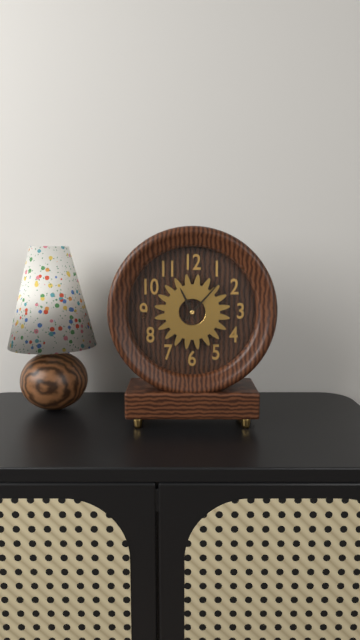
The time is {"hour": 11, "minute": 7}
